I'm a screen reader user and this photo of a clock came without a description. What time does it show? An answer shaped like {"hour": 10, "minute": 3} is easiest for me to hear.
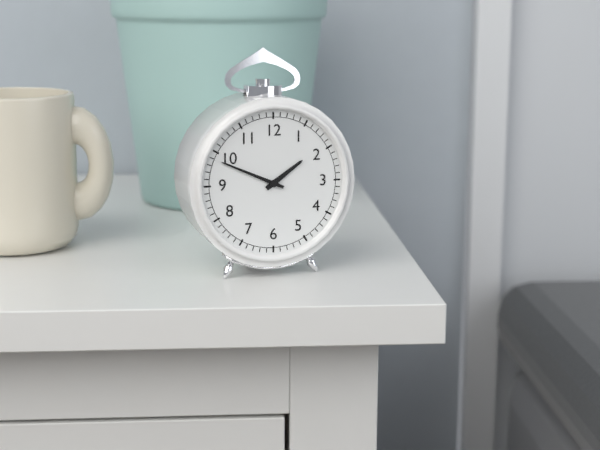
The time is {"hour": 1, "minute": 49}
